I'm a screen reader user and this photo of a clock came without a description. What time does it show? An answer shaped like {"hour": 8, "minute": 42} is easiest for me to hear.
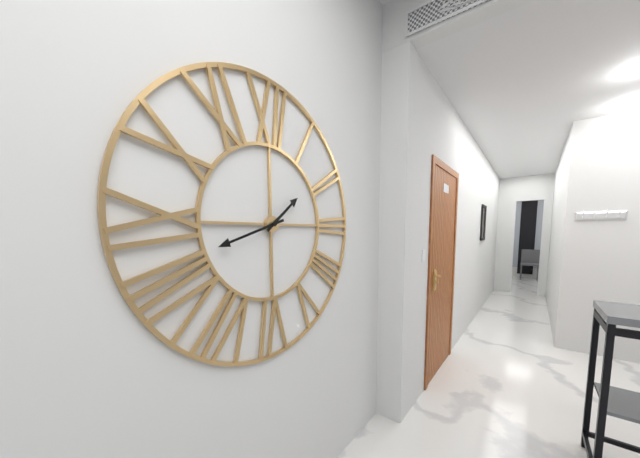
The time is {"hour": 1, "minute": 42}
